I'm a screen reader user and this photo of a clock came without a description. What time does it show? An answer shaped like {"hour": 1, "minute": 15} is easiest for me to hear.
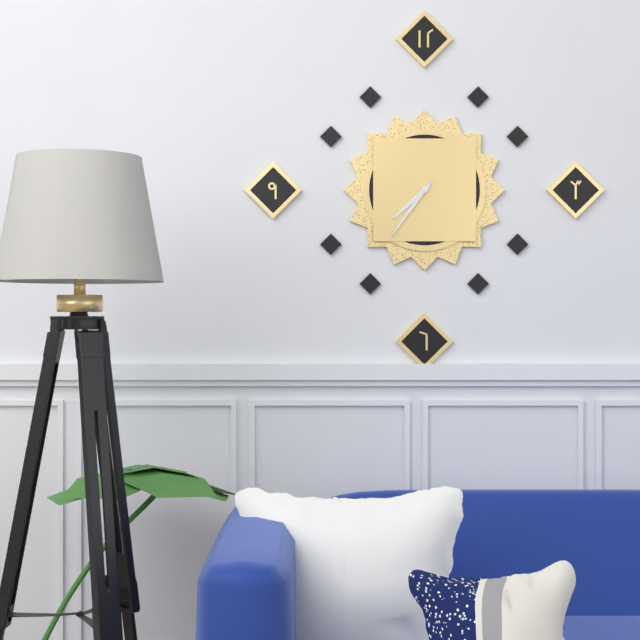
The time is {"hour": 7, "minute": 36}
